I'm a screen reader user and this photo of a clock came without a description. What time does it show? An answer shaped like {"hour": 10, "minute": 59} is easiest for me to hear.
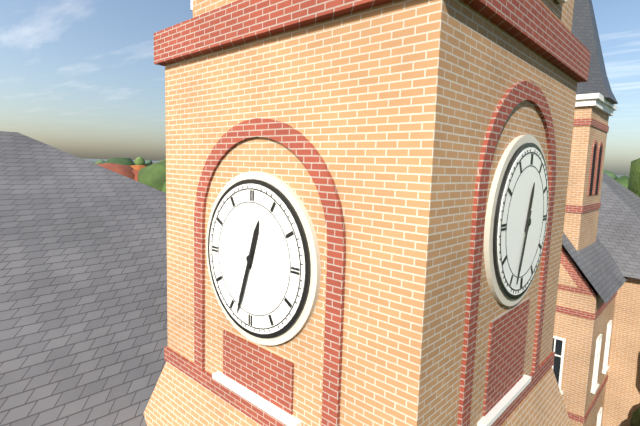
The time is {"hour": 12, "minute": 33}
